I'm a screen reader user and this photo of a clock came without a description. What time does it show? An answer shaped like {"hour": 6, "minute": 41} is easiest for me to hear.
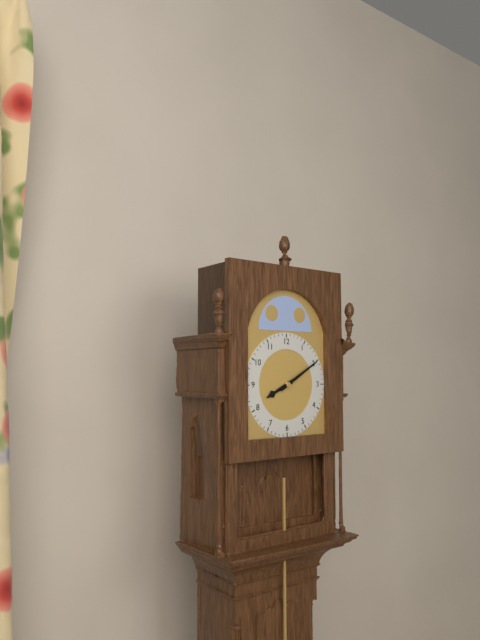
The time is {"hour": 8, "minute": 10}
